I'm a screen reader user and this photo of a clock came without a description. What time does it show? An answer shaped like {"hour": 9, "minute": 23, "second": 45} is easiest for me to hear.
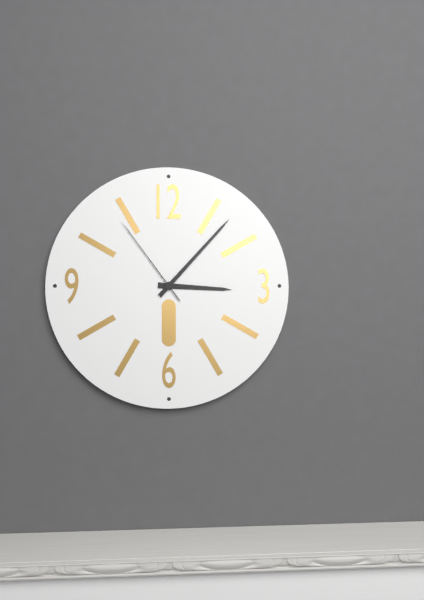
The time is {"hour": 3, "minute": 7, "second": 54}
